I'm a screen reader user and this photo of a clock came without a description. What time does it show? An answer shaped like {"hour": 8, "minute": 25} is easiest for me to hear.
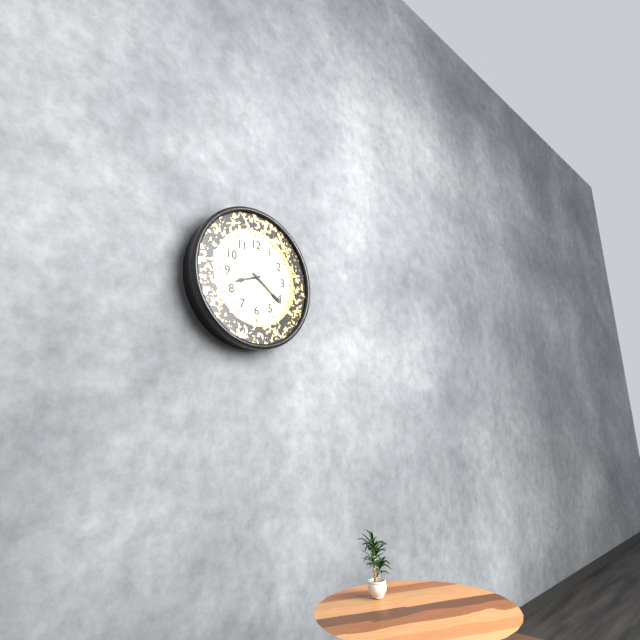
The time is {"hour": 8, "minute": 21}
